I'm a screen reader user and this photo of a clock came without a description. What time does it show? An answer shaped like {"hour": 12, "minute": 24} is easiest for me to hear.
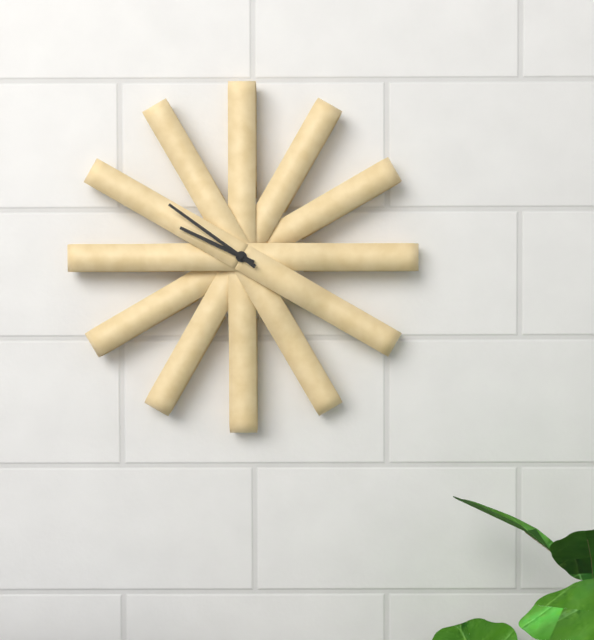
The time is {"hour": 9, "minute": 51}
